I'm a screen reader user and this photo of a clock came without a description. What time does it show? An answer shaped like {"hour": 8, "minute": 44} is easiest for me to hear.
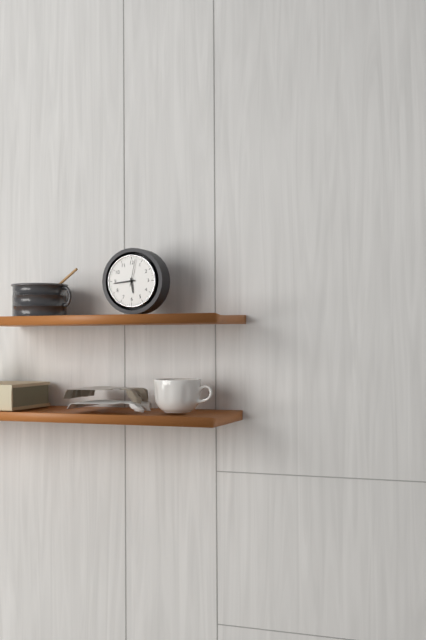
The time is {"hour": 5, "minute": 44}
